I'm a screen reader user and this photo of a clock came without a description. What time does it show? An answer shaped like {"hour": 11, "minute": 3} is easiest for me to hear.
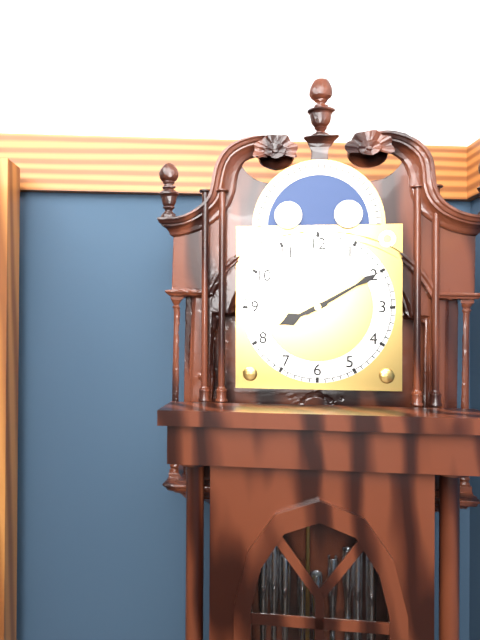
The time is {"hour": 8, "minute": 10}
